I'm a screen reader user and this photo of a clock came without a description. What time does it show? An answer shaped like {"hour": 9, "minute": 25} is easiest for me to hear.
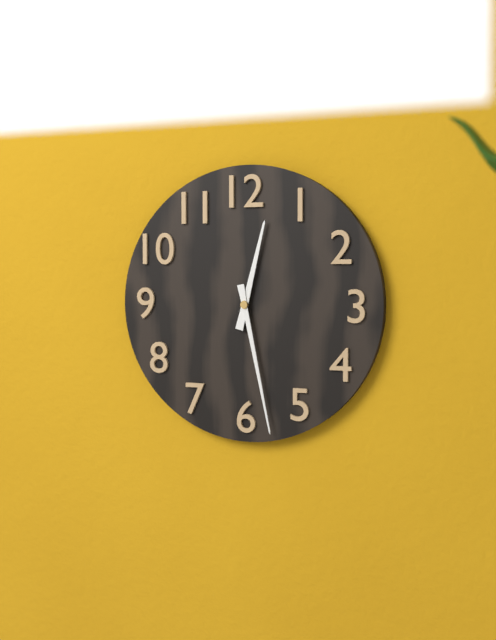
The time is {"hour": 12, "minute": 28}
